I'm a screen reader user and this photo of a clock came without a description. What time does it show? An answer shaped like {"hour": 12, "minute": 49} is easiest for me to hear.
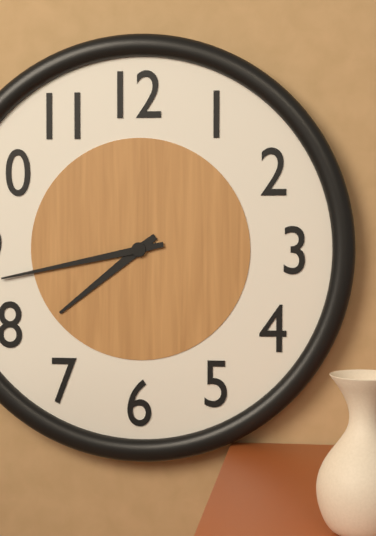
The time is {"hour": 7, "minute": 43}
